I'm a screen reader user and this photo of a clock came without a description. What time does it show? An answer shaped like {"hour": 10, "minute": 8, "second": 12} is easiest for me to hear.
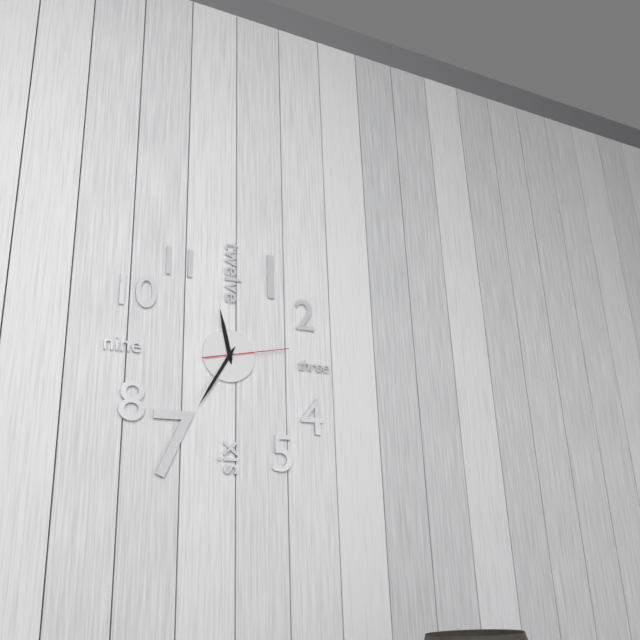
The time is {"hour": 11, "minute": 35, "second": 13}
